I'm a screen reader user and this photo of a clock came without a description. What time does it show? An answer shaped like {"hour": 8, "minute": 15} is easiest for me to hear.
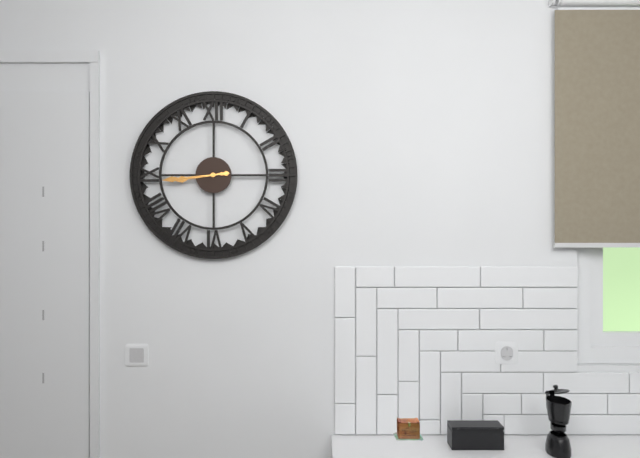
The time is {"hour": 8, "minute": 44}
